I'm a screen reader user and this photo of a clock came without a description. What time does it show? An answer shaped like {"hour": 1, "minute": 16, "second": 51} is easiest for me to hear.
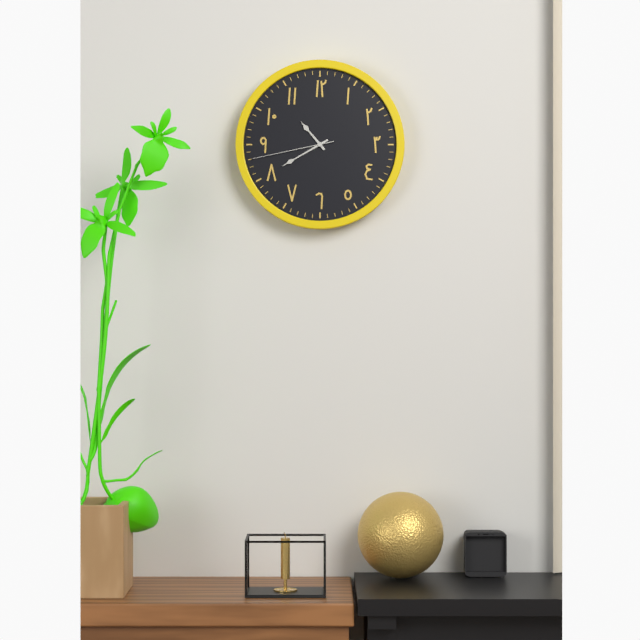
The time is {"hour": 10, "minute": 40, "second": 43}
